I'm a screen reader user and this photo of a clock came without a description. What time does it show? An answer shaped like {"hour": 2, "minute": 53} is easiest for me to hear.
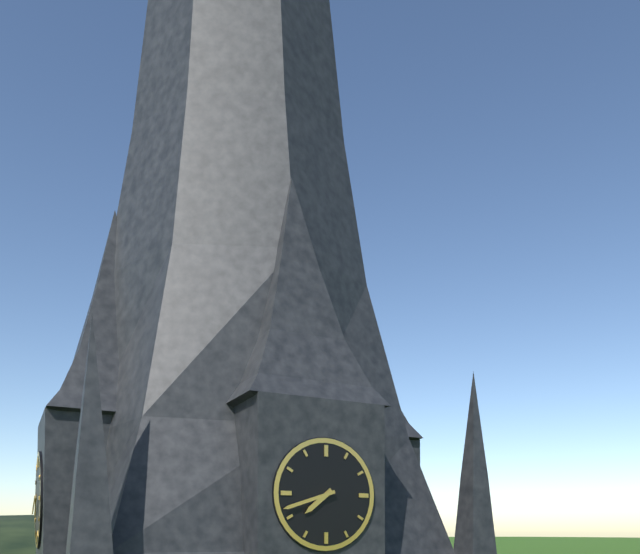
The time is {"hour": 7, "minute": 42}
